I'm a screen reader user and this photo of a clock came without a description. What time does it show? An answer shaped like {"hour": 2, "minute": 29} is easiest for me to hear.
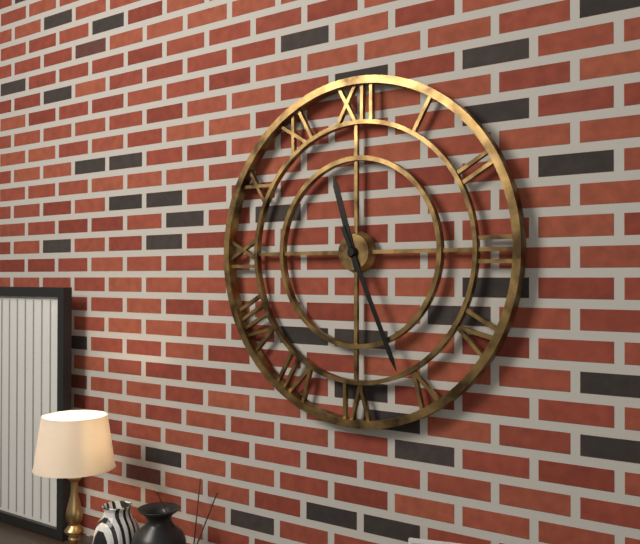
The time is {"hour": 11, "minute": 26}
